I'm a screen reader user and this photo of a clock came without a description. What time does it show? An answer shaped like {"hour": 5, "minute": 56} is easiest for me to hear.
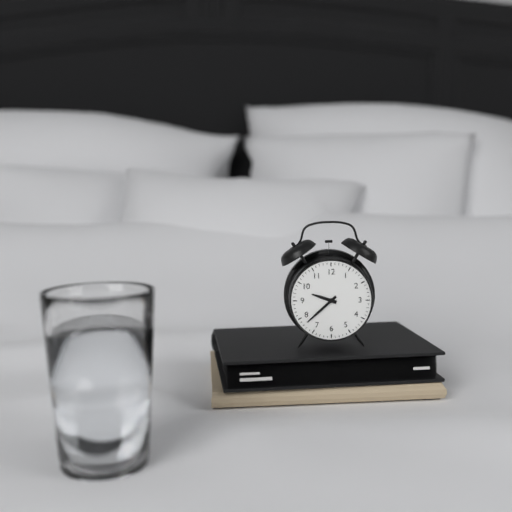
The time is {"hour": 9, "minute": 38}
